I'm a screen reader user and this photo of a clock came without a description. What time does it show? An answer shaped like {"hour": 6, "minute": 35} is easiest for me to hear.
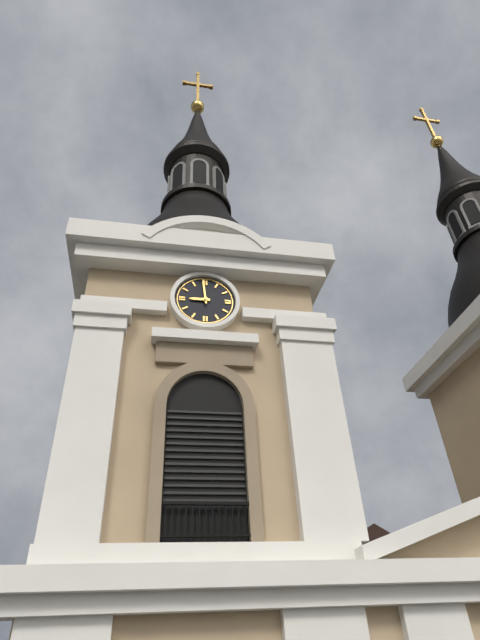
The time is {"hour": 8, "minute": 59}
